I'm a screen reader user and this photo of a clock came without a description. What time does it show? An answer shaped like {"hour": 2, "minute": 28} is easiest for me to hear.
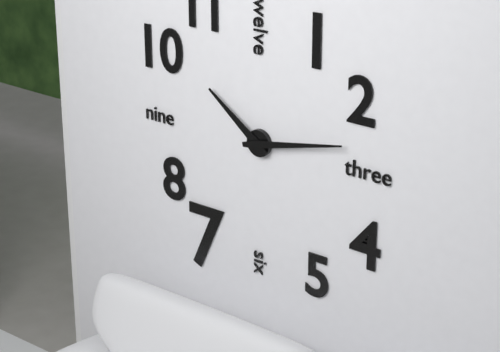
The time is {"hour": 10, "minute": 13}
